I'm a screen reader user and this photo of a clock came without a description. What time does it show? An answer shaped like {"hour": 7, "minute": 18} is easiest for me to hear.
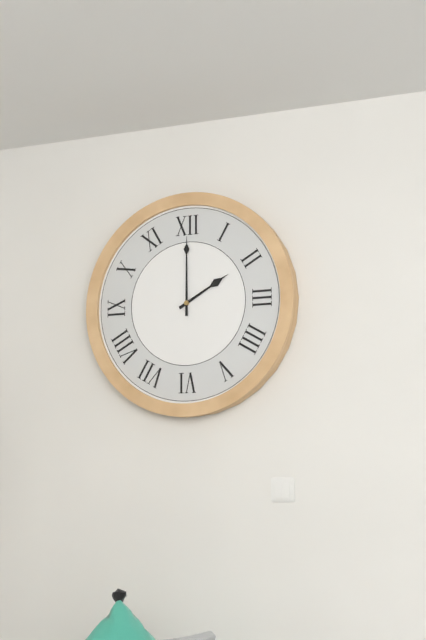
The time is {"hour": 2, "minute": 0}
